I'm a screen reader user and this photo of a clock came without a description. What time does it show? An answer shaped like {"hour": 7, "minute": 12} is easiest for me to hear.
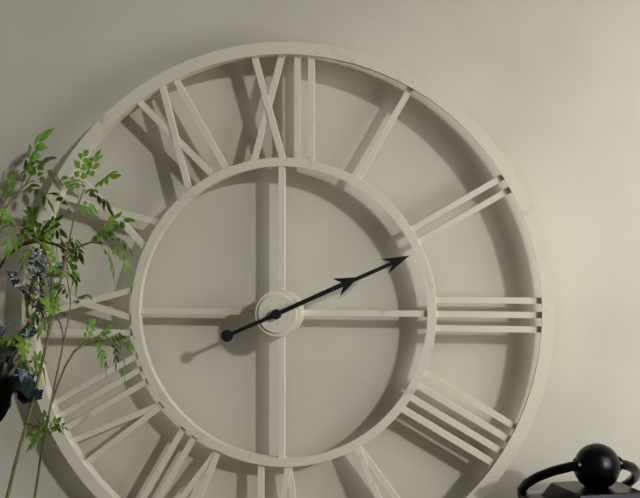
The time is {"hour": 2, "minute": 11}
